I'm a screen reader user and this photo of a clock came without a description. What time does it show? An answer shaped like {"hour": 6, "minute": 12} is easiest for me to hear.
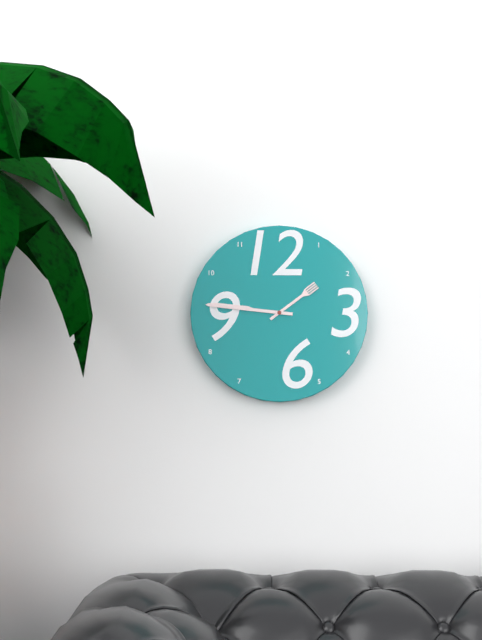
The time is {"hour": 1, "minute": 46}
